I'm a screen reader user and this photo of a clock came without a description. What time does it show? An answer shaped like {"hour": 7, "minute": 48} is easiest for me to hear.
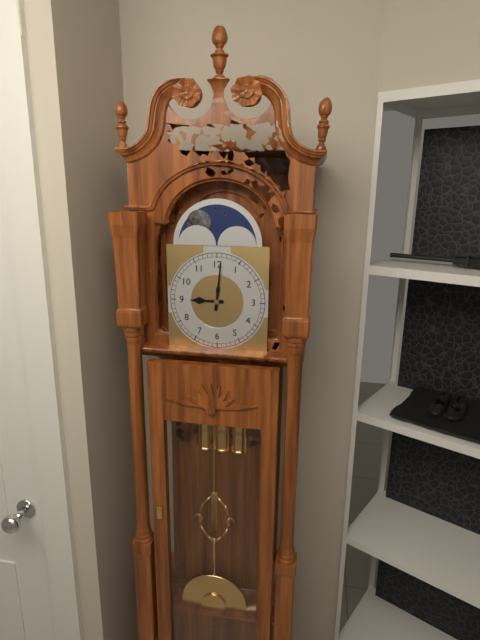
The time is {"hour": 9, "minute": 1}
